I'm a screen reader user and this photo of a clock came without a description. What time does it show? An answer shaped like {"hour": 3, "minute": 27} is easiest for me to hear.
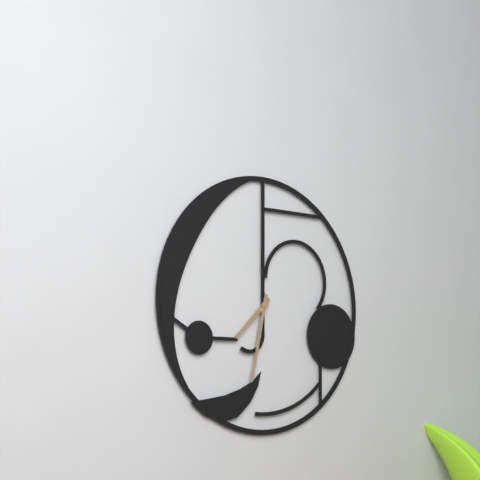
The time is {"hour": 7, "minute": 32}
